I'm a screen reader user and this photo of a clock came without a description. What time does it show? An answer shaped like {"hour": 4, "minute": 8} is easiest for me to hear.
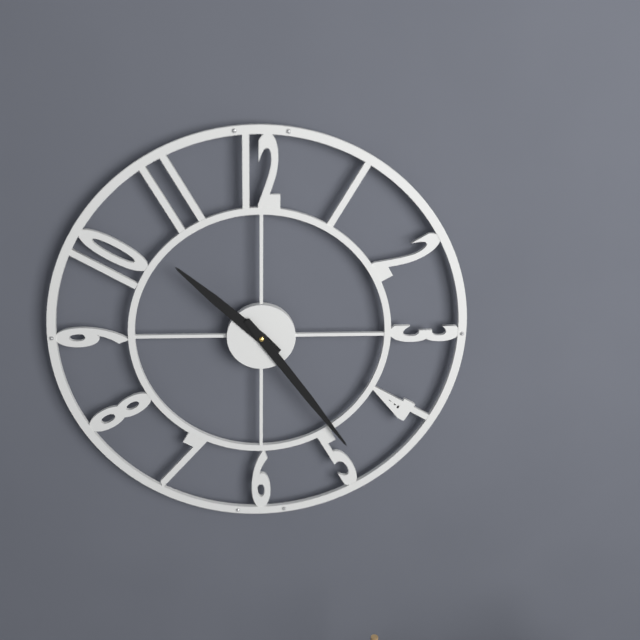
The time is {"hour": 10, "minute": 24}
